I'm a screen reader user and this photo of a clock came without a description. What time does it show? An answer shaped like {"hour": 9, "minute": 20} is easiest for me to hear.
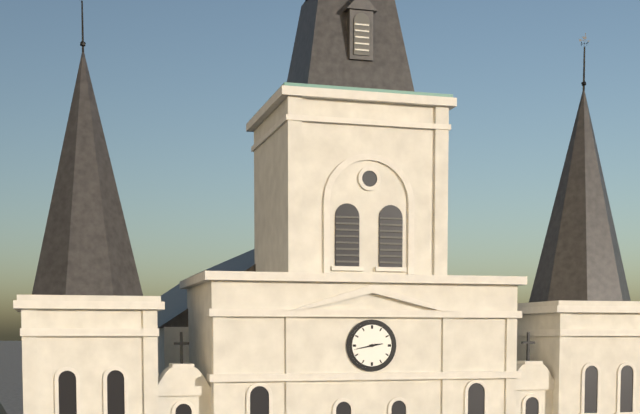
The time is {"hour": 2, "minute": 43}
